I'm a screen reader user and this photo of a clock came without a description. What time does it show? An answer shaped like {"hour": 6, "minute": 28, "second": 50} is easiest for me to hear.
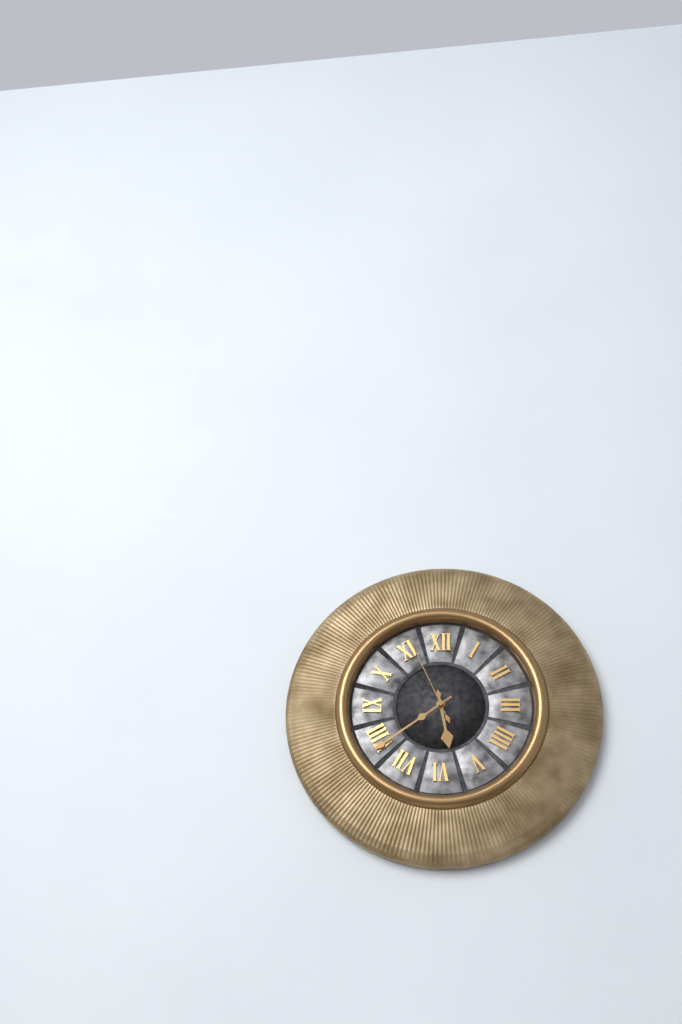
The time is {"hour": 5, "minute": 39, "second": 56}
